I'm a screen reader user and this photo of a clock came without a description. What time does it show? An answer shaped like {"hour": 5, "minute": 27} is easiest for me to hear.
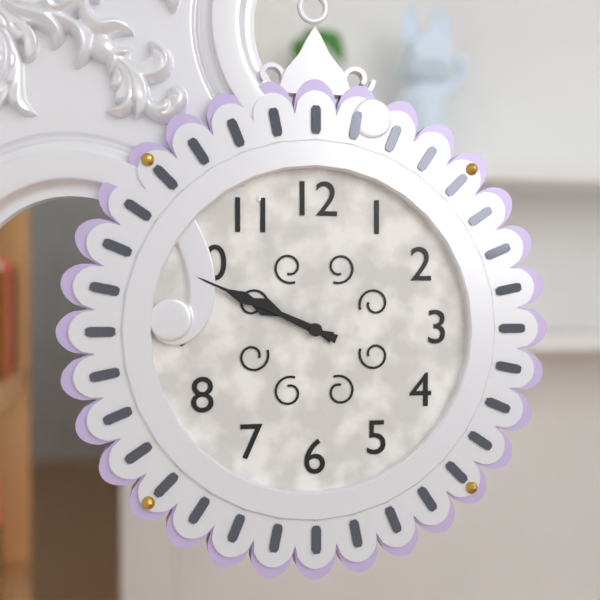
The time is {"hour": 9, "minute": 49}
